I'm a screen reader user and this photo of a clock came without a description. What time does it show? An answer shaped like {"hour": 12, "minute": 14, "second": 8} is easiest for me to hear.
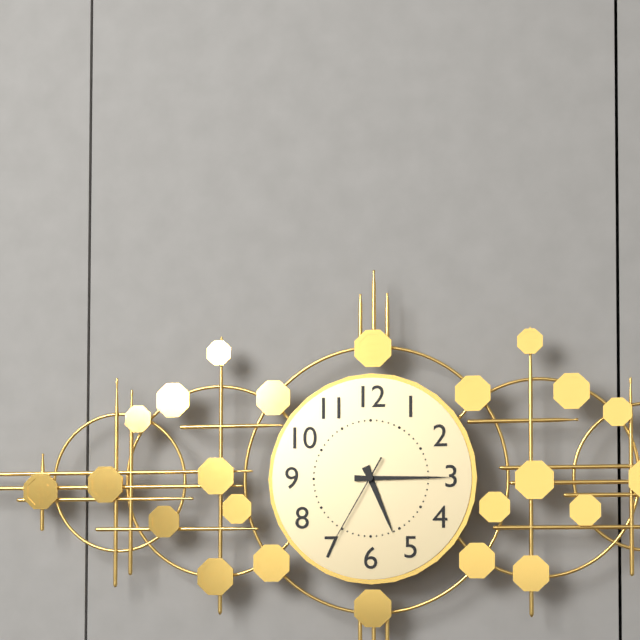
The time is {"hour": 5, "minute": 15, "second": 35}
